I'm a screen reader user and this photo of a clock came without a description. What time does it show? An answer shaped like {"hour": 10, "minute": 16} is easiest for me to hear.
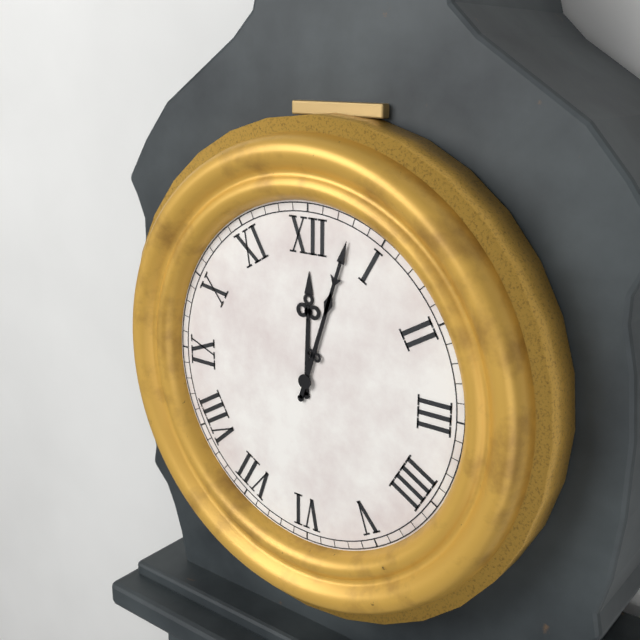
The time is {"hour": 12, "minute": 3}
